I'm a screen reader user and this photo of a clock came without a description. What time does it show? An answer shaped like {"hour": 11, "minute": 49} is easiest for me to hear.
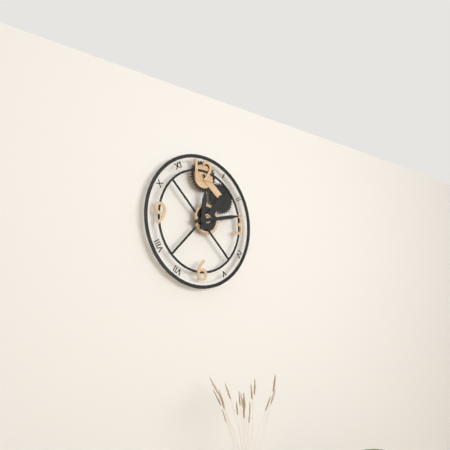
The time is {"hour": 12, "minute": 13}
